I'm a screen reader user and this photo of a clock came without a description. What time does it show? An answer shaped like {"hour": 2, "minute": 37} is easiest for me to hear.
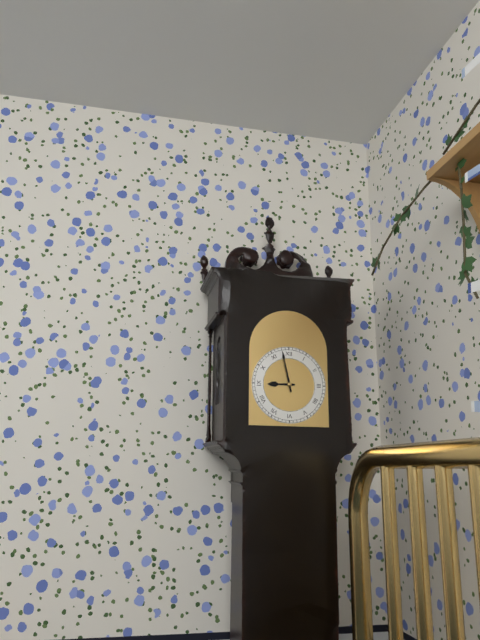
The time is {"hour": 8, "minute": 58}
